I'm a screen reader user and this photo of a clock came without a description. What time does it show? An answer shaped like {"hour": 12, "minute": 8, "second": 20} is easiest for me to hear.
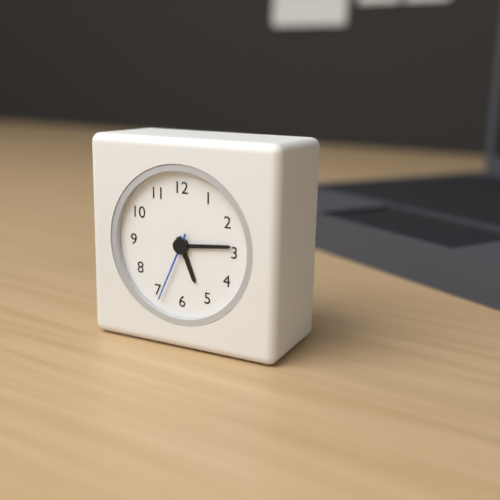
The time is {"hour": 5, "minute": 14, "second": 34}
